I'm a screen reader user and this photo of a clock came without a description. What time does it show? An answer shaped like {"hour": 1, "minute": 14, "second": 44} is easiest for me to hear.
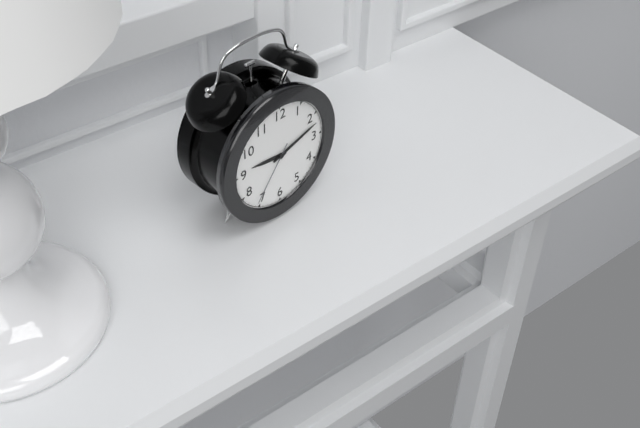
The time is {"hour": 9, "minute": 12, "second": 36}
